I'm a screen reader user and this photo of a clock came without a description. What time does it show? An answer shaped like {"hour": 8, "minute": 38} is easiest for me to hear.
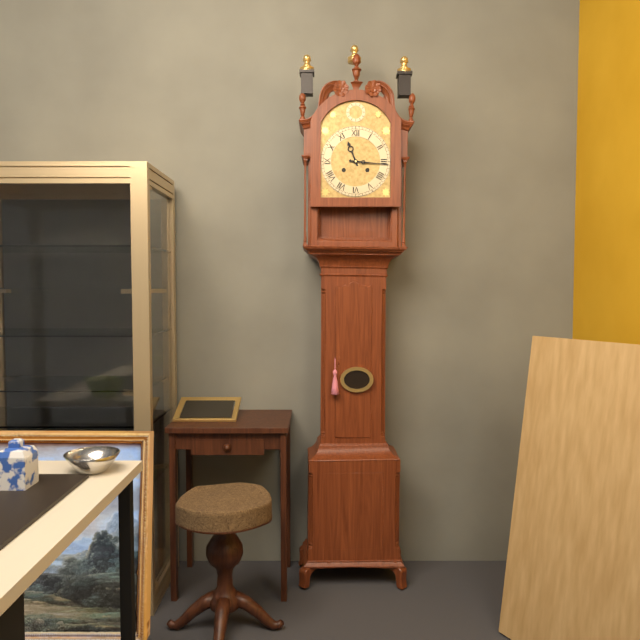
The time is {"hour": 11, "minute": 16}
